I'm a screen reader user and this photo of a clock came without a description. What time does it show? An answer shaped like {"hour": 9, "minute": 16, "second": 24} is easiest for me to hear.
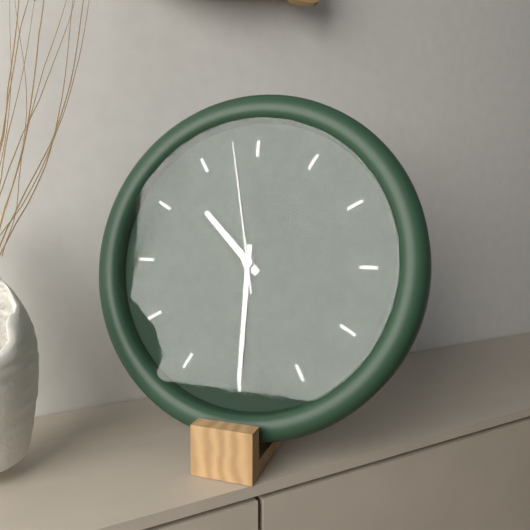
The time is {"hour": 10, "minute": 30, "second": 58}
